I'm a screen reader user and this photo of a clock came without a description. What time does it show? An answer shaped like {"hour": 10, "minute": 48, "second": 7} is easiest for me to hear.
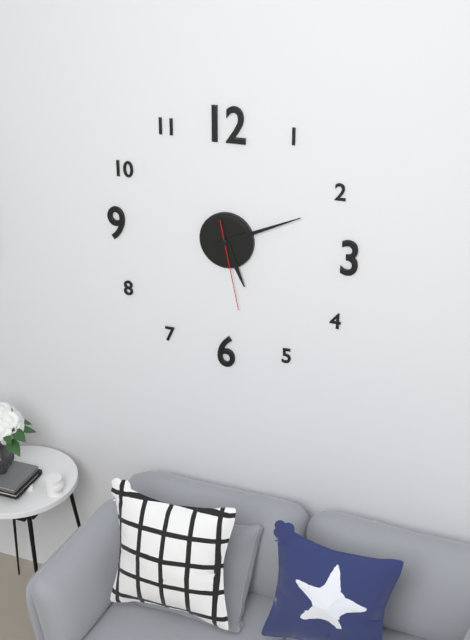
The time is {"hour": 5, "minute": 11, "second": 28}
